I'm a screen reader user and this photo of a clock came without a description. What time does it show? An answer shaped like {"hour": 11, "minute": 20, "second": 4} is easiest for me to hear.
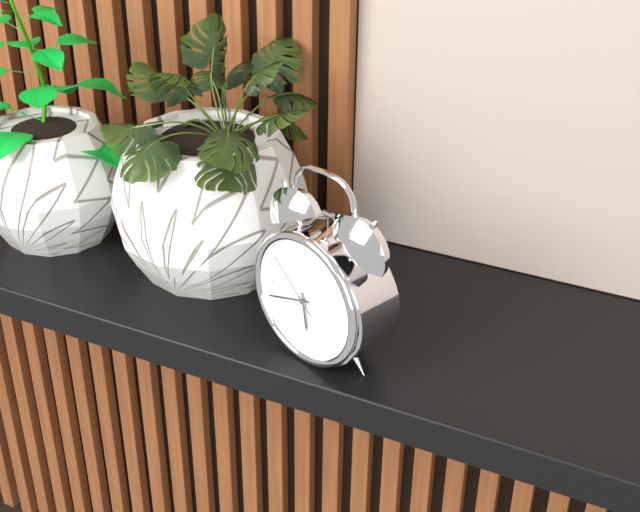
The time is {"hour": 5, "minute": 42, "second": 52}
